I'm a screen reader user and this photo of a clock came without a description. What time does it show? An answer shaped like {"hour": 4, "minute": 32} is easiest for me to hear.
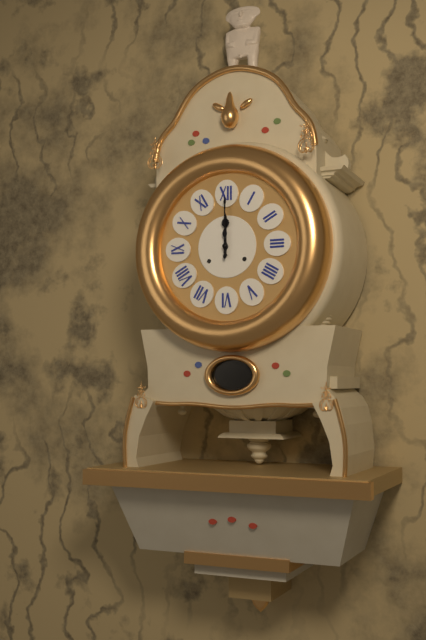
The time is {"hour": 12, "minute": 0}
